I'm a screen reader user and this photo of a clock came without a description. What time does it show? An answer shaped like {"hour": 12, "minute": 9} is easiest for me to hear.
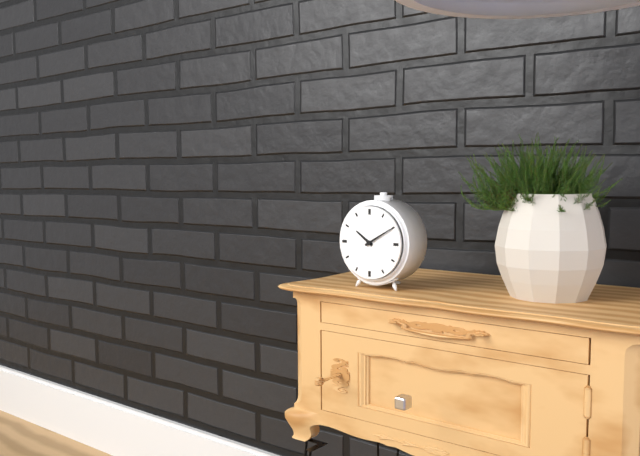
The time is {"hour": 10, "minute": 10}
